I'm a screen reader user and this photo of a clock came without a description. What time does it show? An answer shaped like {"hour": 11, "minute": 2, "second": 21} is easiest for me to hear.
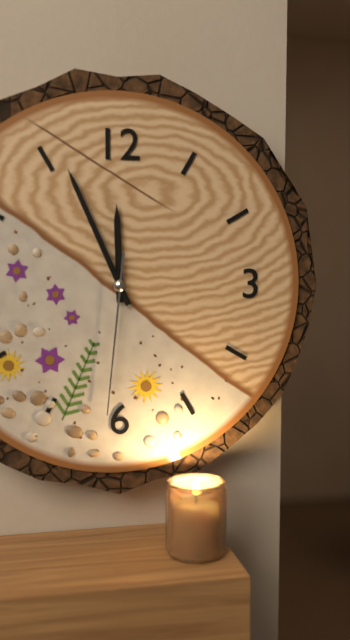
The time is {"hour": 11, "minute": 56, "second": 31}
